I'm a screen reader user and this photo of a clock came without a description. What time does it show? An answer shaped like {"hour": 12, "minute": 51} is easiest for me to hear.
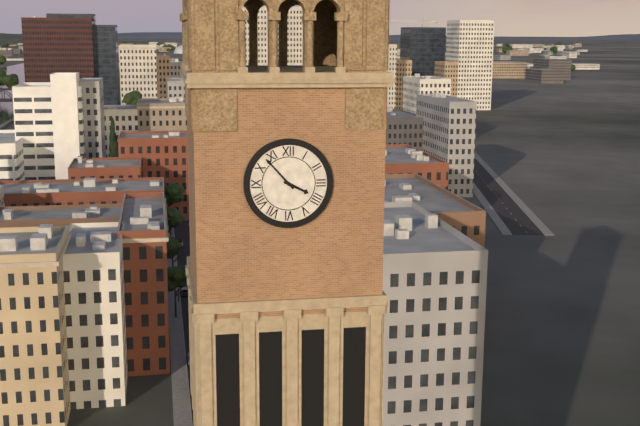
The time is {"hour": 3, "minute": 53}
